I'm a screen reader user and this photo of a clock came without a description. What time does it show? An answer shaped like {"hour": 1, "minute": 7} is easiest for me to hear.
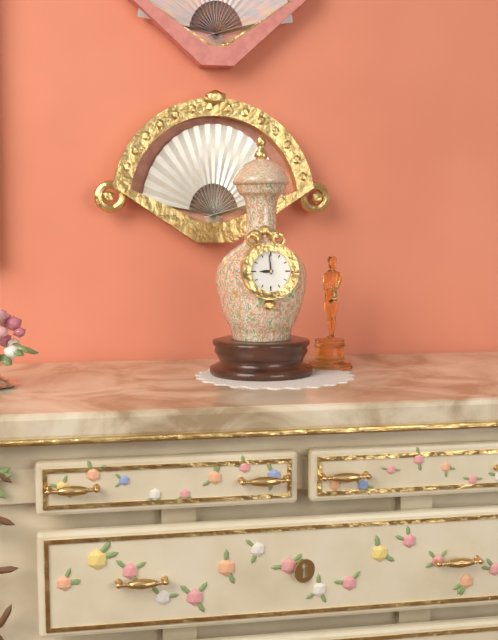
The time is {"hour": 8, "minute": 59}
